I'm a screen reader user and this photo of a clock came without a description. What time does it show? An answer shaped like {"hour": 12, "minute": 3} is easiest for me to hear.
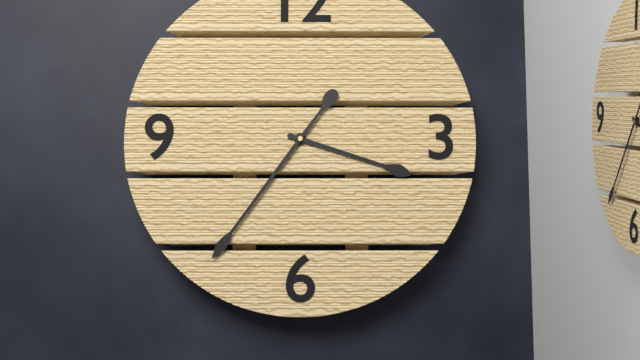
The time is {"hour": 3, "minute": 36}
